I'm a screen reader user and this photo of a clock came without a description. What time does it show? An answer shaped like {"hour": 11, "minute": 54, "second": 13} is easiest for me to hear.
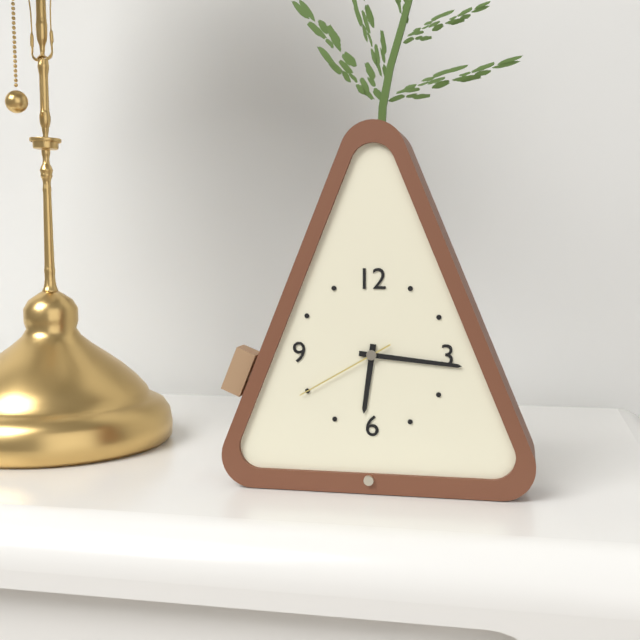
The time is {"hour": 6, "minute": 16, "second": 40}
